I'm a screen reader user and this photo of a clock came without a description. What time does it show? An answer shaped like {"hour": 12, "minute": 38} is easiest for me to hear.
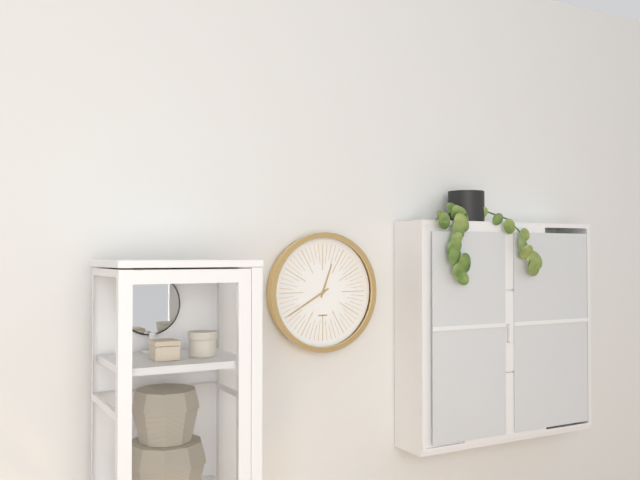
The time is {"hour": 12, "minute": 40}
